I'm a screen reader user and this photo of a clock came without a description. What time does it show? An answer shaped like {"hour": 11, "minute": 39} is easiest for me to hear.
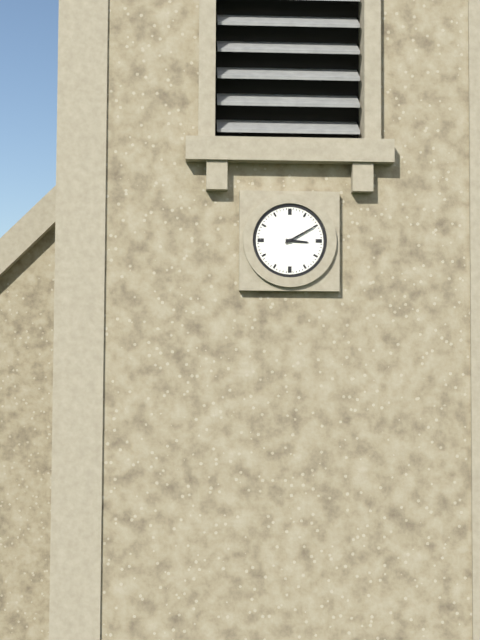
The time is {"hour": 3, "minute": 10}
